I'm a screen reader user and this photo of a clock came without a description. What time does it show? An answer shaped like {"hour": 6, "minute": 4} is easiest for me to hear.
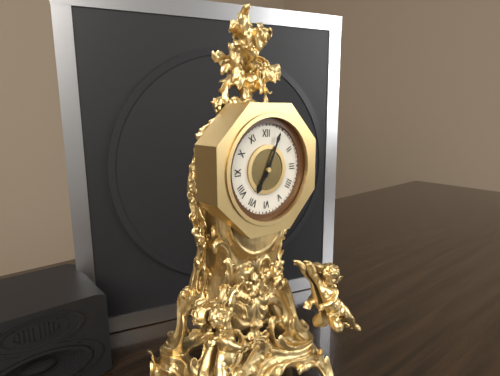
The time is {"hour": 7, "minute": 4}
